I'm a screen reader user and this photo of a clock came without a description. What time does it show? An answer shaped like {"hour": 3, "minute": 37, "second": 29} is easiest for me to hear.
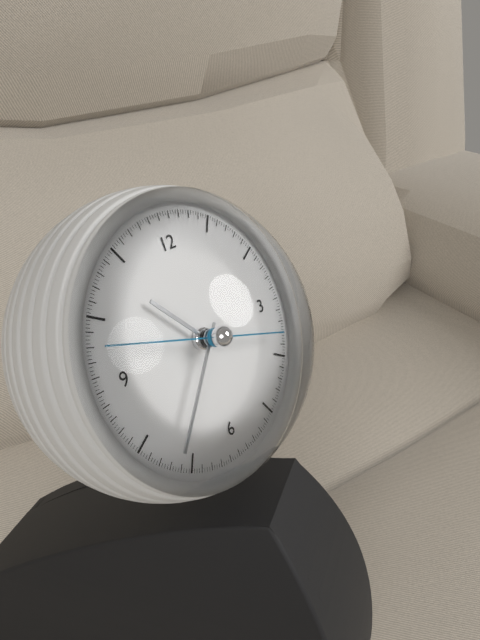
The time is {"hour": 10, "minute": 37, "second": 48}
